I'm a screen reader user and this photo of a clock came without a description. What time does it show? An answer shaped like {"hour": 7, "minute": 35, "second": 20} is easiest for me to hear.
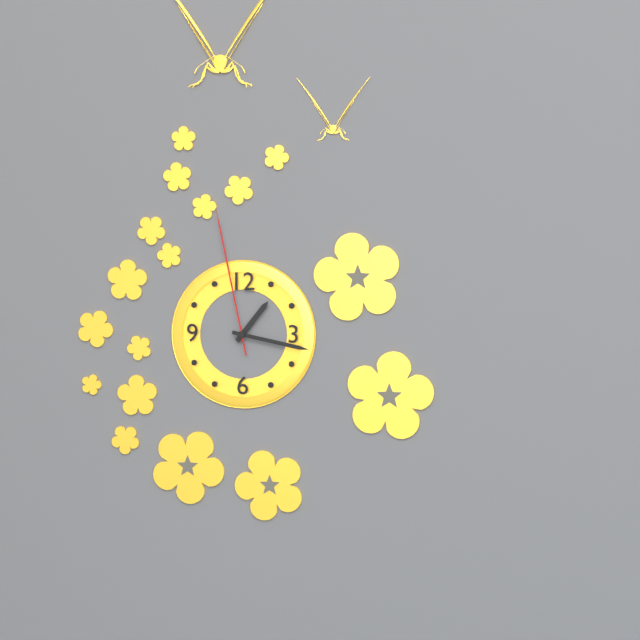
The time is {"hour": 1, "minute": 17, "second": 58}
